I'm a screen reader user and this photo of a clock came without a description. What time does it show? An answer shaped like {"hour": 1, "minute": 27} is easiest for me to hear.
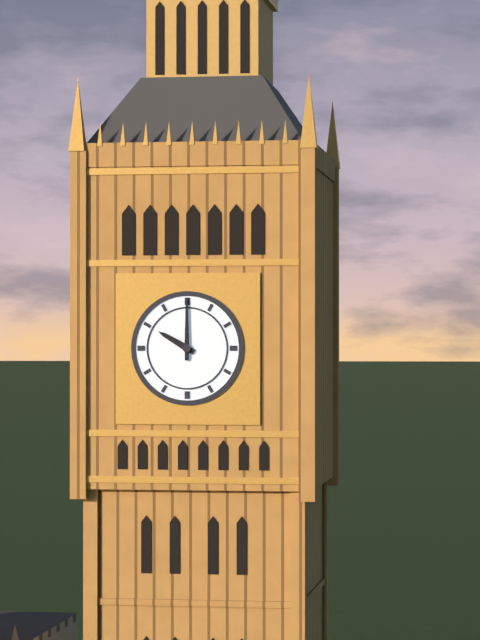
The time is {"hour": 10, "minute": 0}
